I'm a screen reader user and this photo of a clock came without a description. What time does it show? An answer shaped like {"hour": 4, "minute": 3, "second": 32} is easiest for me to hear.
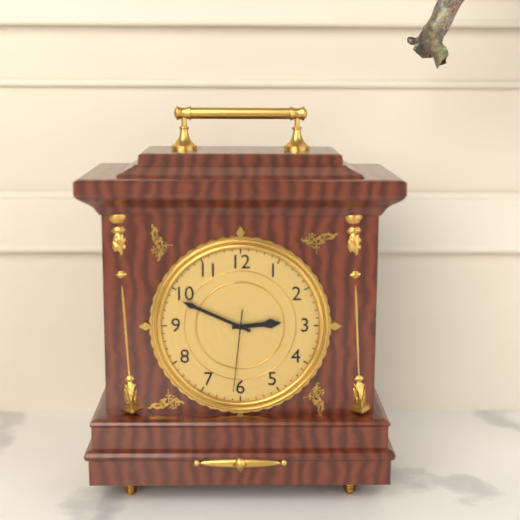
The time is {"hour": 2, "minute": 49, "second": 31}
